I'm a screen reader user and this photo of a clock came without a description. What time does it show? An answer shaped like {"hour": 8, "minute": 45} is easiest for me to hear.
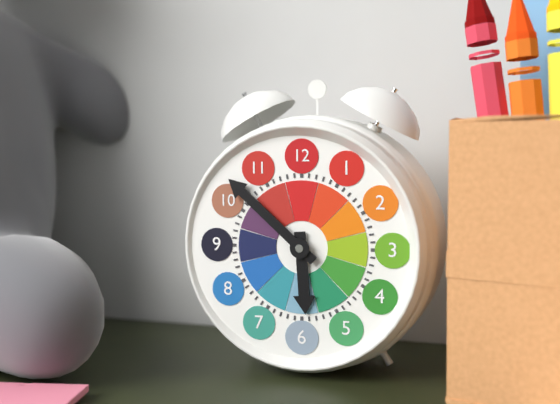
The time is {"hour": 5, "minute": 52}
